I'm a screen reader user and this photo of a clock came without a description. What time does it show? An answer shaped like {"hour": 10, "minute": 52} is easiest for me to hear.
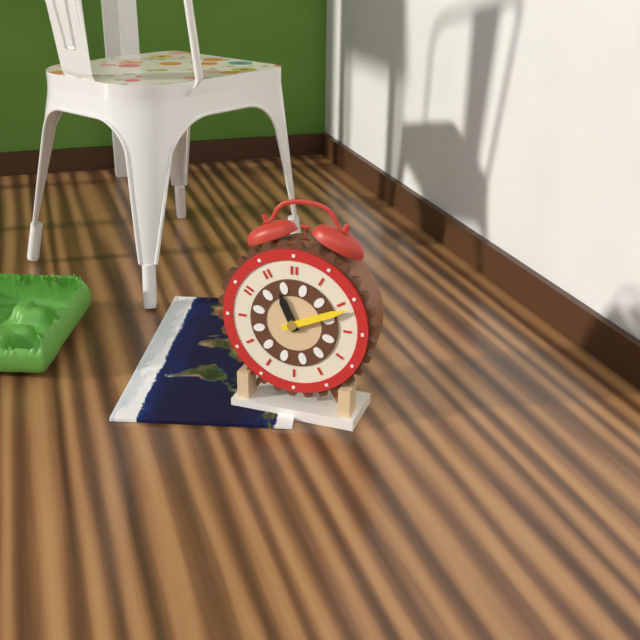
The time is {"hour": 11, "minute": 11}
